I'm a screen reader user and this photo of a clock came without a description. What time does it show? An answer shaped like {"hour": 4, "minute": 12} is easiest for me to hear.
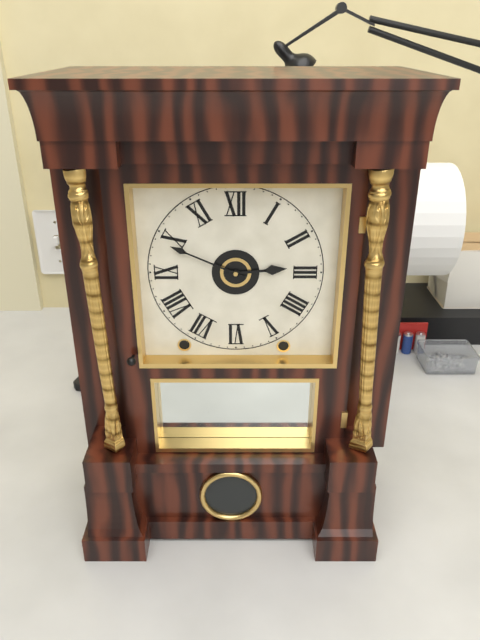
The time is {"hour": 2, "minute": 49}
